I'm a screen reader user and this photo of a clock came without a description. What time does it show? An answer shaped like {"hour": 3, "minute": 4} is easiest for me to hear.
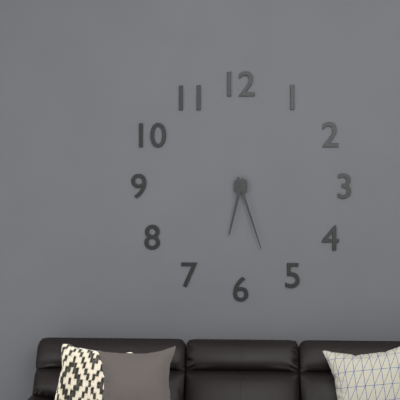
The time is {"hour": 6, "minute": 27}
